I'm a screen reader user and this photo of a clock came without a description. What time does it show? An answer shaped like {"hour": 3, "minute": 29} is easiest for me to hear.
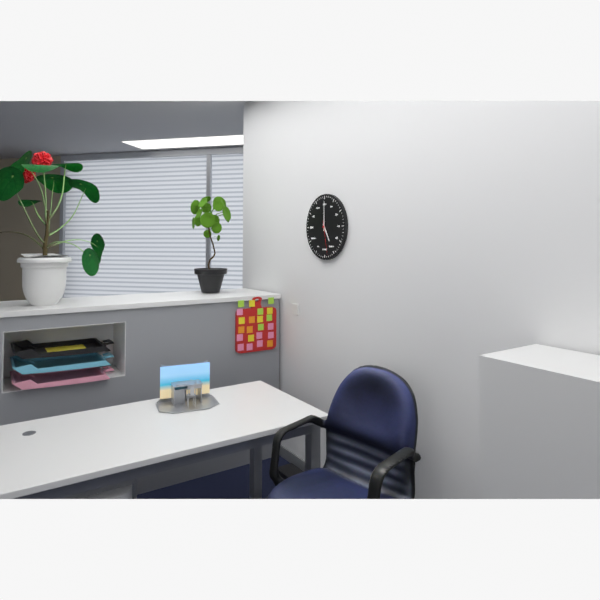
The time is {"hour": 5, "minute": 0}
